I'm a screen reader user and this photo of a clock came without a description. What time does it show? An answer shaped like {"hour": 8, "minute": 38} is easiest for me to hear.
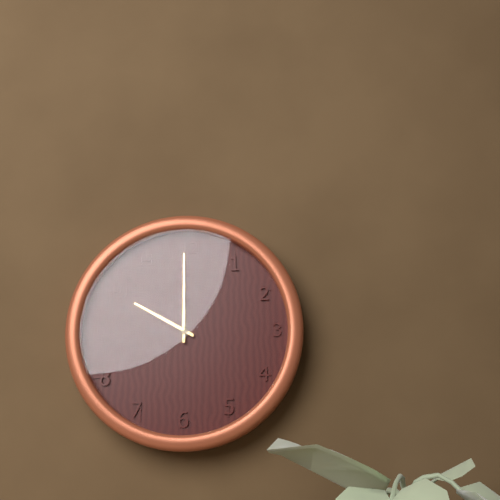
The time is {"hour": 10, "minute": 0}
